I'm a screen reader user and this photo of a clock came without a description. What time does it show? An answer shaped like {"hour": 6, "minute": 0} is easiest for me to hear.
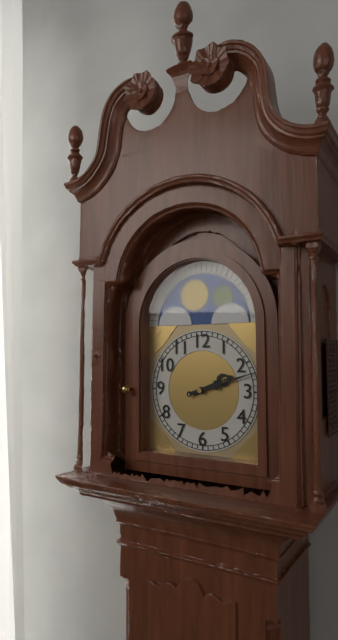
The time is {"hour": 2, "minute": 12}
